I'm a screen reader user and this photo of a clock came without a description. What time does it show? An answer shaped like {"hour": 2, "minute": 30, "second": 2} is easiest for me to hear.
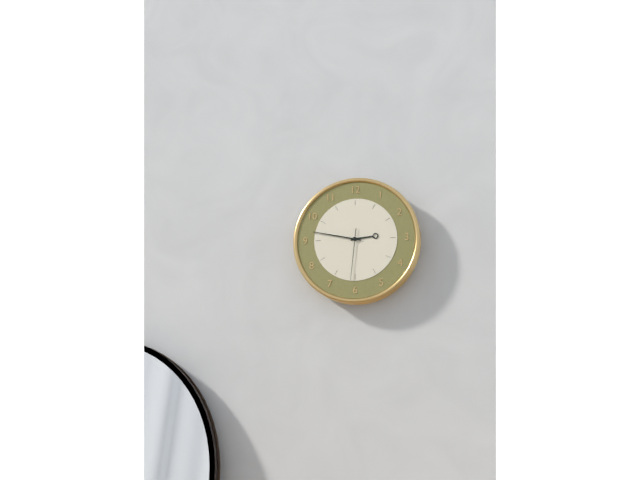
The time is {"hour": 2, "minute": 47, "second": 31}
